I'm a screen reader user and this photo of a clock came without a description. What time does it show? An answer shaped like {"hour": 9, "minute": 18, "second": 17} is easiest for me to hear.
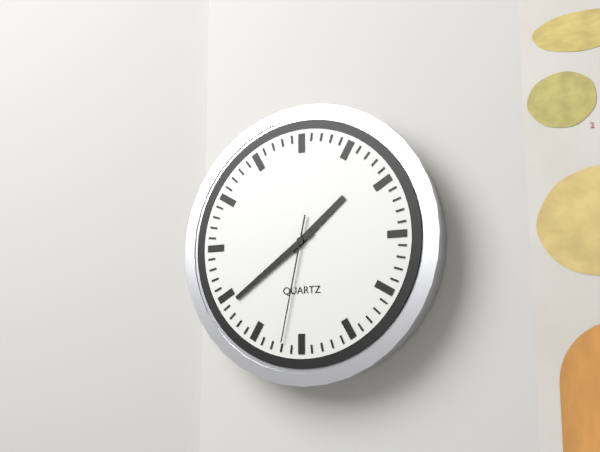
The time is {"hour": 1, "minute": 39, "second": 32}
